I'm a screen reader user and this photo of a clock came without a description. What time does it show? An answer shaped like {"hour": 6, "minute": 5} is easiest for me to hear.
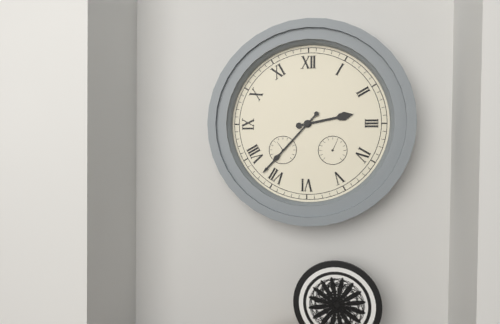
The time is {"hour": 2, "minute": 37}
